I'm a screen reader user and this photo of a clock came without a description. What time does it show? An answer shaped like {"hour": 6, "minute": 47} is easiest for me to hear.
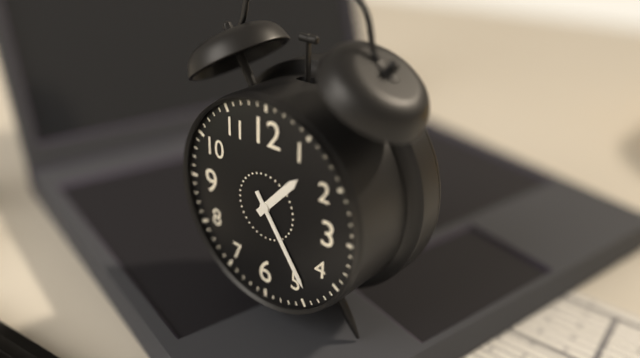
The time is {"hour": 1, "minute": 24}
